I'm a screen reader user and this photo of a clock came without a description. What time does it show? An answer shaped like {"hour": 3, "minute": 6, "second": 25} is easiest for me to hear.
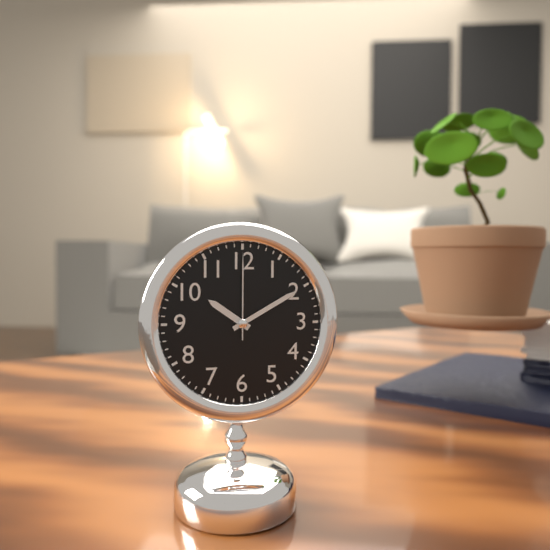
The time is {"hour": 10, "minute": 10, "second": 0}
